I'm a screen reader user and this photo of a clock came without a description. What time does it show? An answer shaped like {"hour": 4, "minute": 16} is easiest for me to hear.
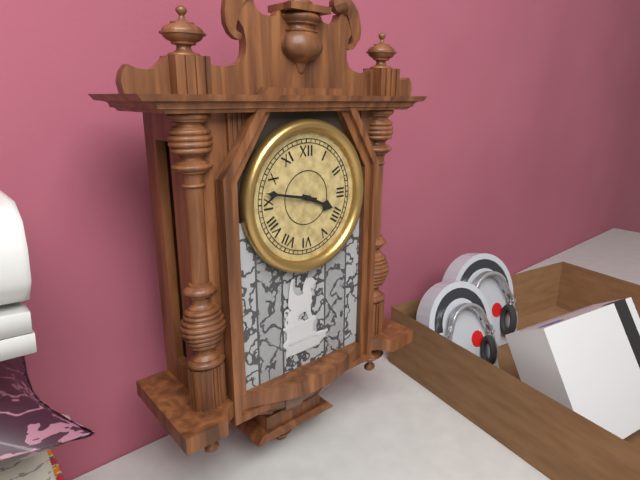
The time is {"hour": 3, "minute": 47}
